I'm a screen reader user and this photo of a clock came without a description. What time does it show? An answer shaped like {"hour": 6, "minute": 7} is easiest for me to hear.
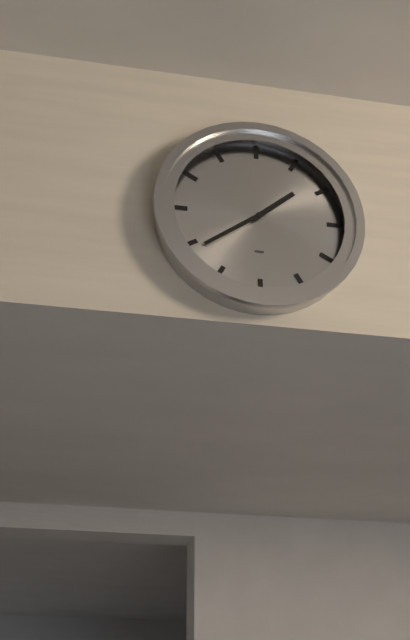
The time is {"hour": 1, "minute": 39}
